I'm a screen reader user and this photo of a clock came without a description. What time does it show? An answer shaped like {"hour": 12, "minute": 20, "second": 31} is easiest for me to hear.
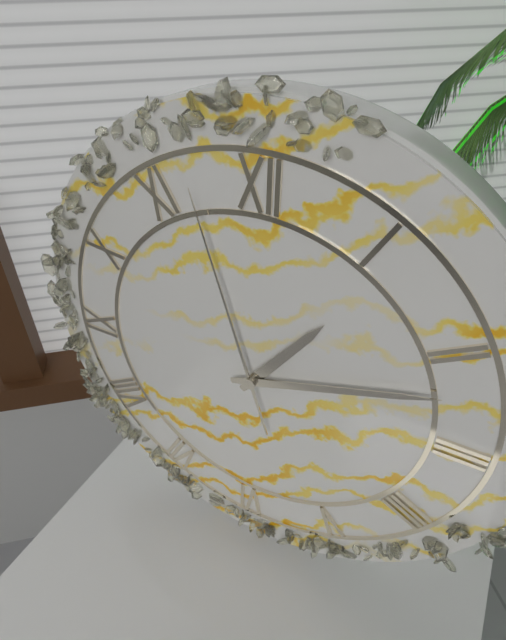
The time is {"hour": 1, "minute": 12, "second": 57}
